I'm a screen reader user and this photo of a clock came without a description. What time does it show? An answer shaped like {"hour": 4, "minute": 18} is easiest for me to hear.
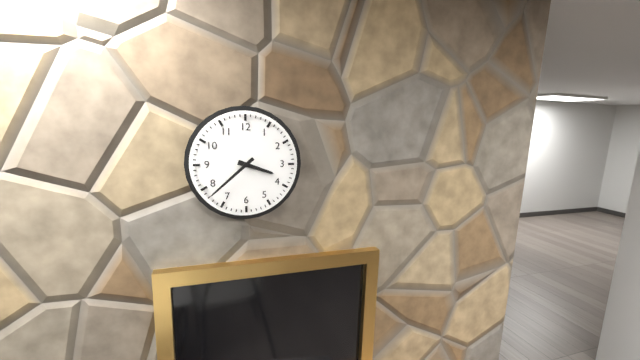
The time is {"hour": 3, "minute": 38}
